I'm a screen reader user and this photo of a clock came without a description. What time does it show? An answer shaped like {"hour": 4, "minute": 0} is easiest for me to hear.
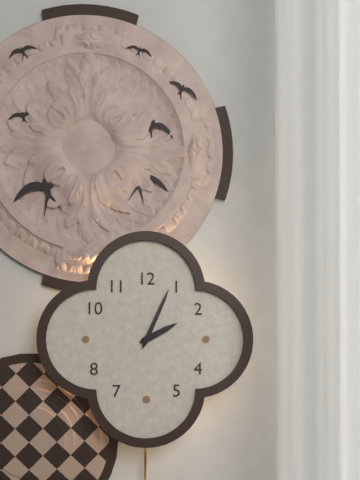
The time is {"hour": 2, "minute": 4}
